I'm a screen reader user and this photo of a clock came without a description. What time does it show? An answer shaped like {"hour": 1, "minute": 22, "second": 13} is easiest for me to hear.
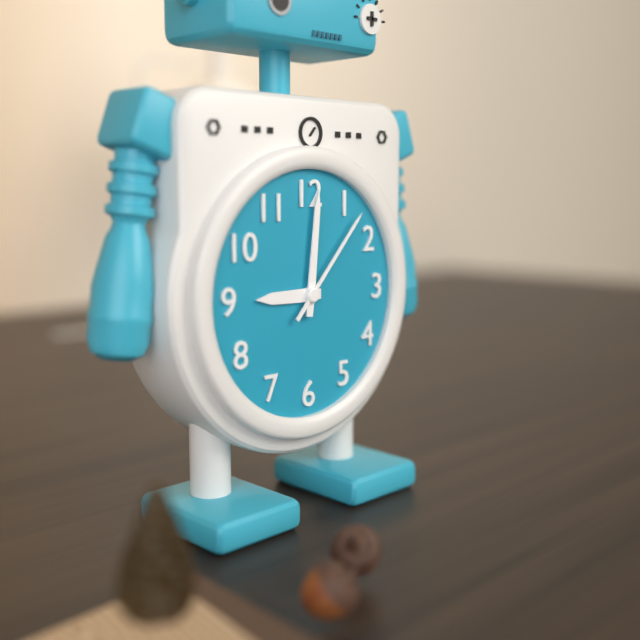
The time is {"hour": 9, "minute": 1, "second": 7}
